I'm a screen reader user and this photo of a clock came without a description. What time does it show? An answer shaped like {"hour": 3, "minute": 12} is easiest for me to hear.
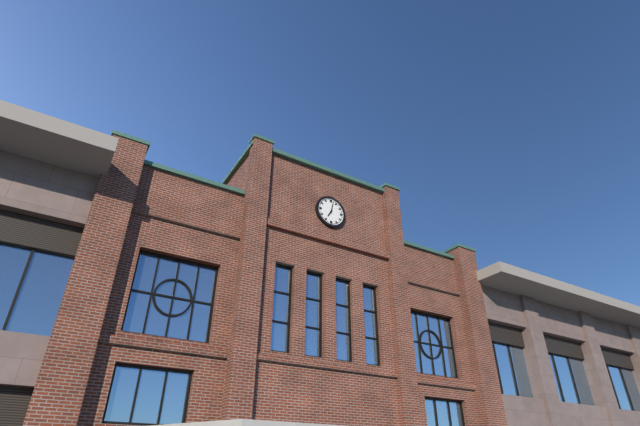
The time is {"hour": 7, "minute": 2}
